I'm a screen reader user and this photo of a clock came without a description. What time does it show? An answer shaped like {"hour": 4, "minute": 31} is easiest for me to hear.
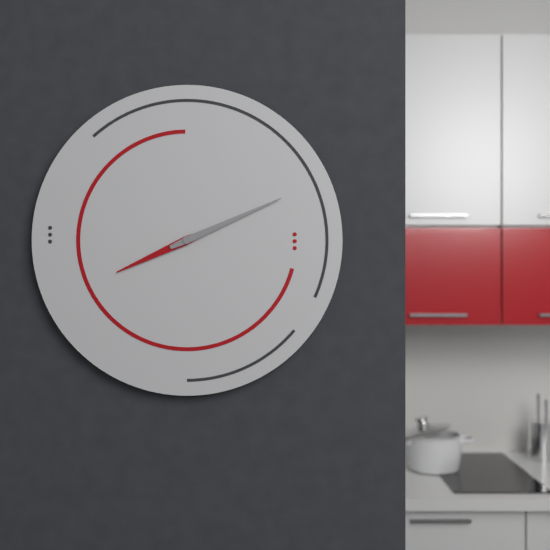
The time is {"hour": 8, "minute": 11}
